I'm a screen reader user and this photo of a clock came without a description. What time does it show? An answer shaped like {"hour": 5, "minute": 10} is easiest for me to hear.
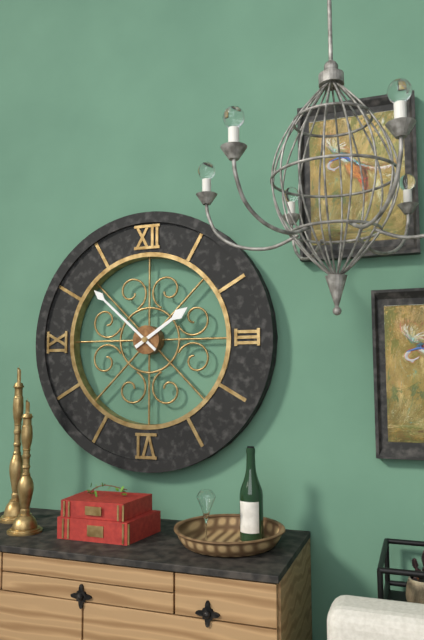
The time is {"hour": 1, "minute": 52}
